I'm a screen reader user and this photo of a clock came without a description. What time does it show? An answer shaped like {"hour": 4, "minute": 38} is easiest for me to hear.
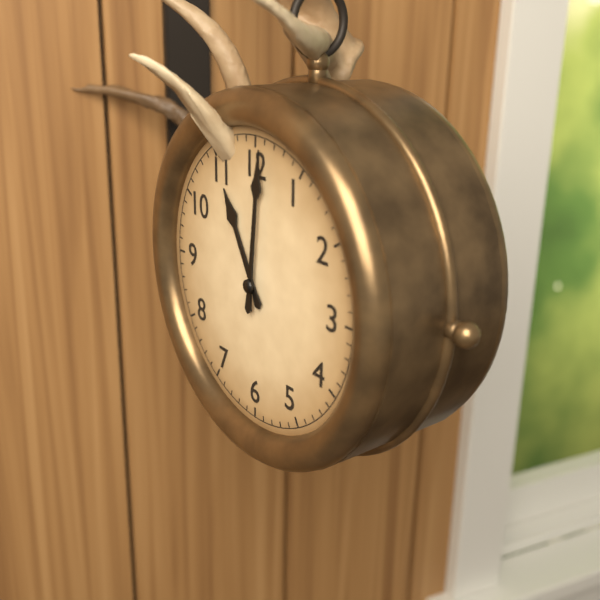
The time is {"hour": 11, "minute": 1}
